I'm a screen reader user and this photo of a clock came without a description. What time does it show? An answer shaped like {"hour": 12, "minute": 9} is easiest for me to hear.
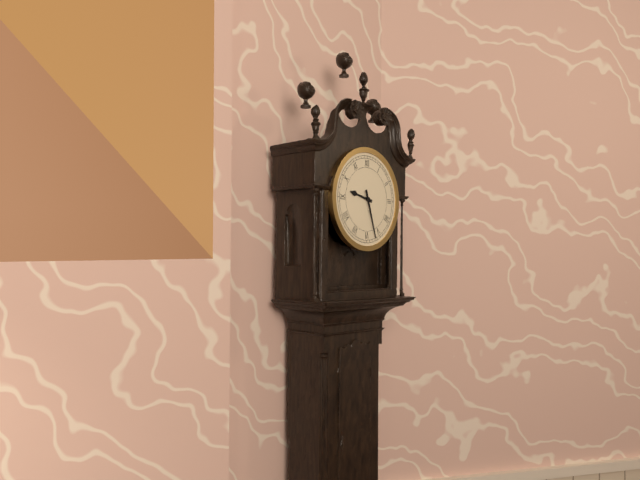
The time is {"hour": 9, "minute": 27}
